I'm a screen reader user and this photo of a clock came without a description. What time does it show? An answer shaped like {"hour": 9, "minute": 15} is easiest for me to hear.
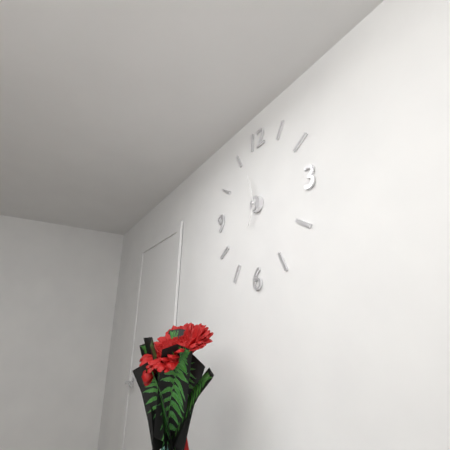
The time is {"hour": 6, "minute": 57}
